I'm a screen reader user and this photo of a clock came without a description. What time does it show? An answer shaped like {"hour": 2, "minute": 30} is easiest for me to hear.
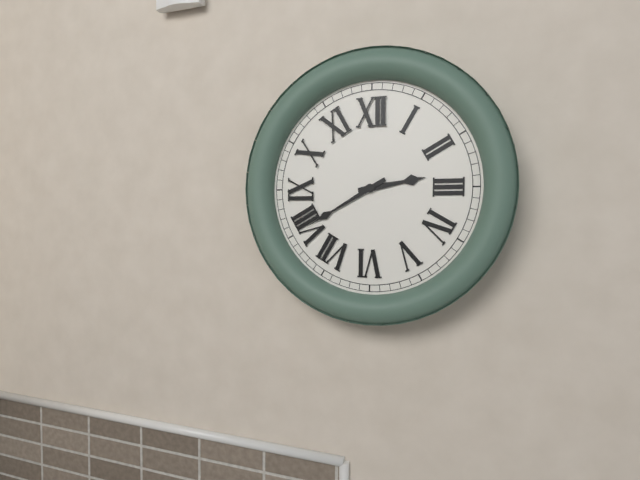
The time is {"hour": 2, "minute": 40}
